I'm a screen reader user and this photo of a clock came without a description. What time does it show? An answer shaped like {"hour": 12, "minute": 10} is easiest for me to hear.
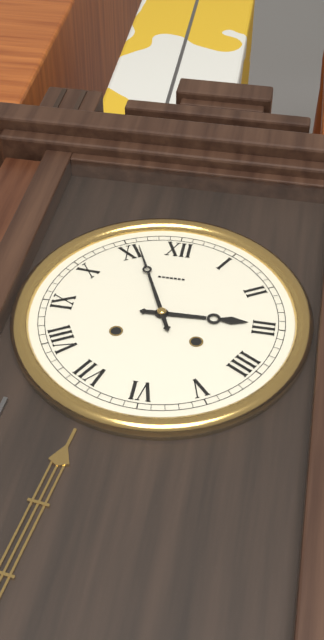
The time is {"hour": 2, "minute": 56}
